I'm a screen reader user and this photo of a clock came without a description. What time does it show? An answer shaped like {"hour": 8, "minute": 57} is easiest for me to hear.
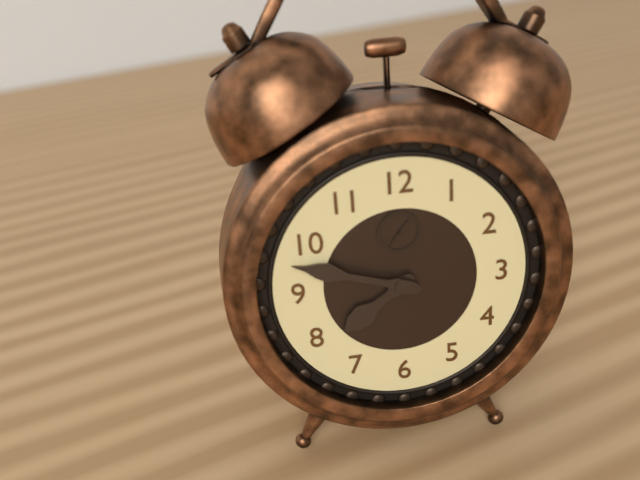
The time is {"hour": 7, "minute": 48}
